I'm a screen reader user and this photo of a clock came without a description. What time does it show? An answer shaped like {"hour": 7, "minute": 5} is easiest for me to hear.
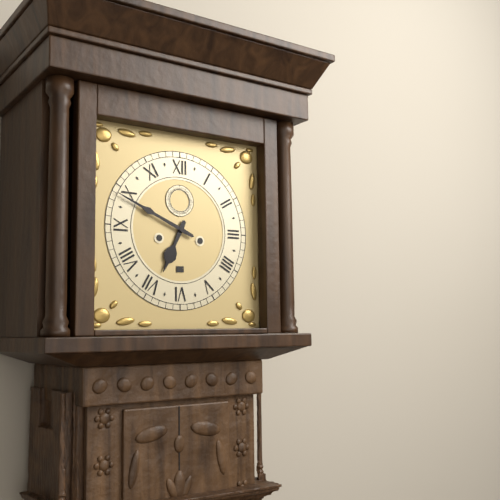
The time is {"hour": 6, "minute": 49}
